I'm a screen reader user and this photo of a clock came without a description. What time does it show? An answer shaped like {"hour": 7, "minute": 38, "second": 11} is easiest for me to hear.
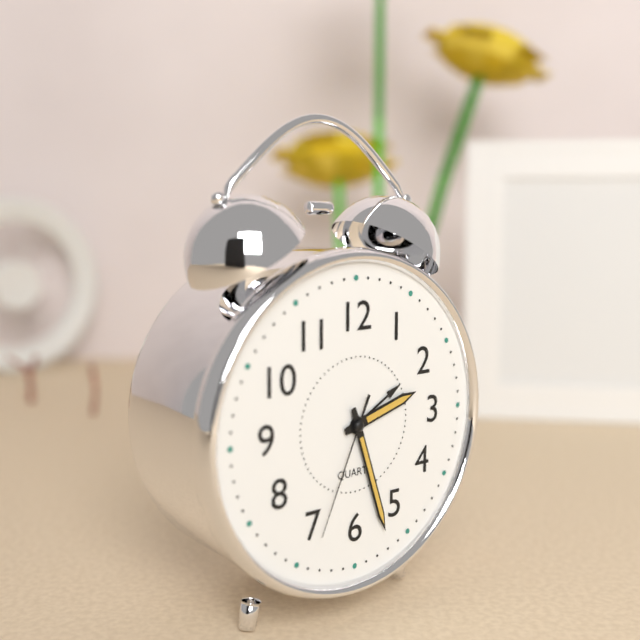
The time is {"hour": 2, "minute": 27, "second": 34}
